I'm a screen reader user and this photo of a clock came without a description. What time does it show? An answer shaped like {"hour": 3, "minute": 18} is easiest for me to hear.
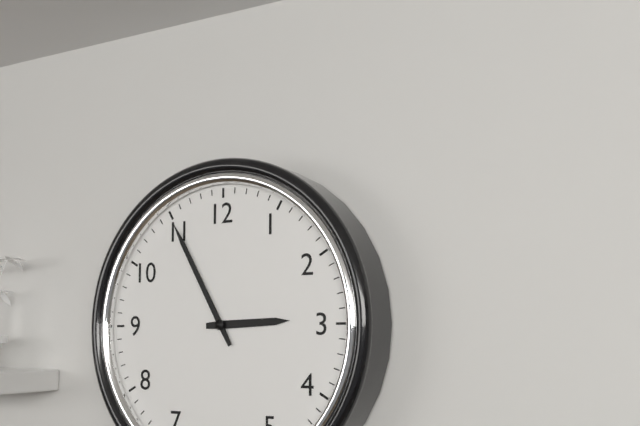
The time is {"hour": 2, "minute": 55}
